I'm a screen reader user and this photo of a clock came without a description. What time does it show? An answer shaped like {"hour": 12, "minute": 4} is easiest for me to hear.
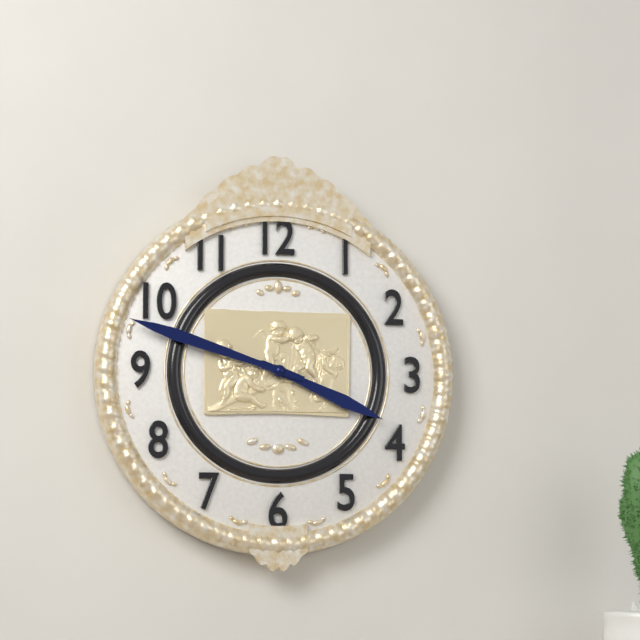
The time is {"hour": 3, "minute": 48}
